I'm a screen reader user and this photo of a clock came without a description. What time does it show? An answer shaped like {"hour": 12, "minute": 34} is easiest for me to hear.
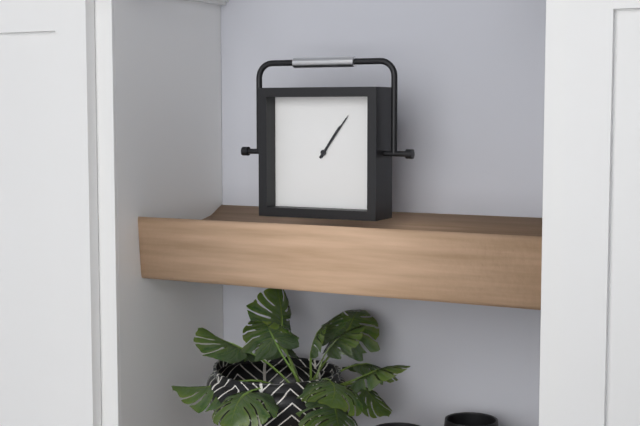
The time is {"hour": 1, "minute": 6}
